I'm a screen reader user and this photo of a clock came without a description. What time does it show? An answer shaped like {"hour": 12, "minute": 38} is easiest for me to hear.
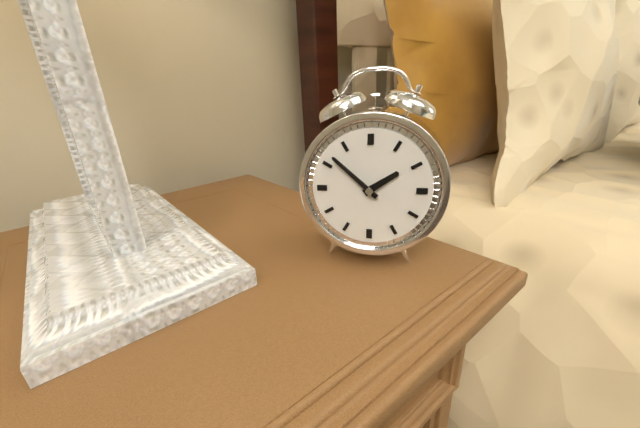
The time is {"hour": 1, "minute": 52}
